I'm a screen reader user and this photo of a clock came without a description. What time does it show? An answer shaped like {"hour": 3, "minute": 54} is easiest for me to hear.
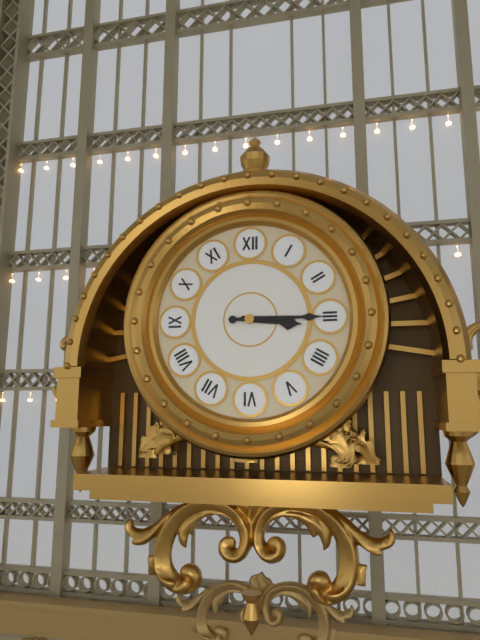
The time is {"hour": 3, "minute": 15}
